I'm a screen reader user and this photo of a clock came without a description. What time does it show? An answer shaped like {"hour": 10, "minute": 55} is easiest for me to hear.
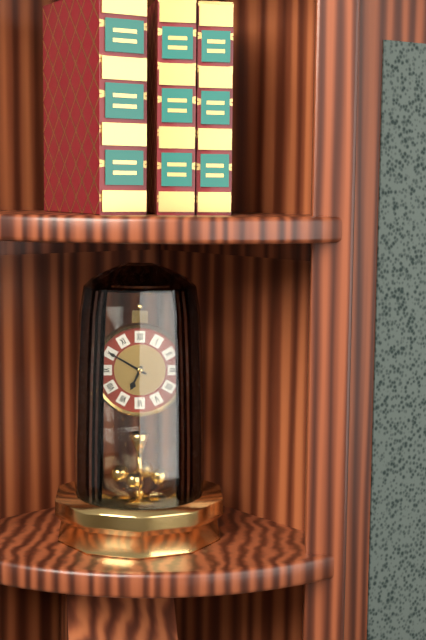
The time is {"hour": 6, "minute": 50}
